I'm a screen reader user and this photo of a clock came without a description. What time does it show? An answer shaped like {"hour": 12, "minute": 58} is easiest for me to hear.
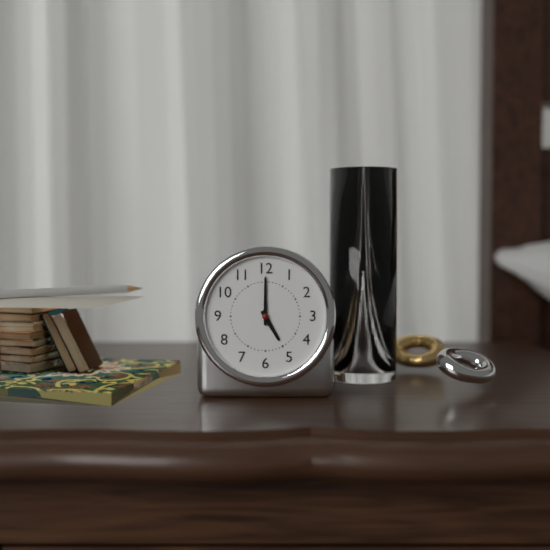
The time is {"hour": 5, "minute": 0}
